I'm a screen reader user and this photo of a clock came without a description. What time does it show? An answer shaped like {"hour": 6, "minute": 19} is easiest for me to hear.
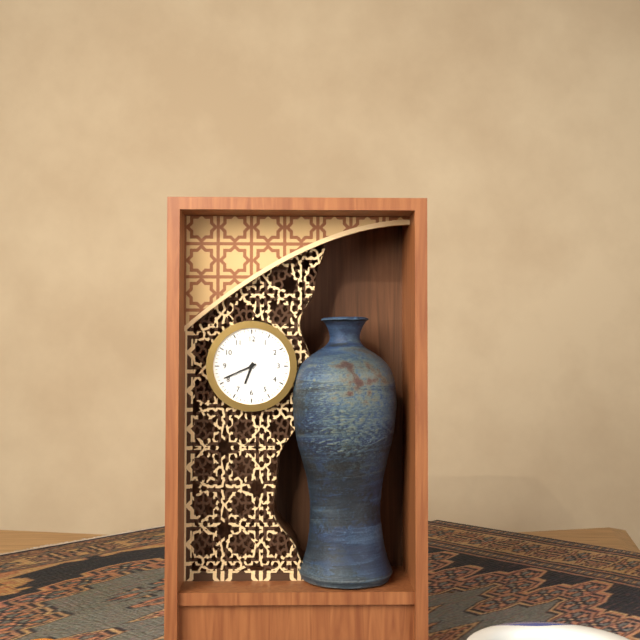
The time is {"hour": 6, "minute": 41}
